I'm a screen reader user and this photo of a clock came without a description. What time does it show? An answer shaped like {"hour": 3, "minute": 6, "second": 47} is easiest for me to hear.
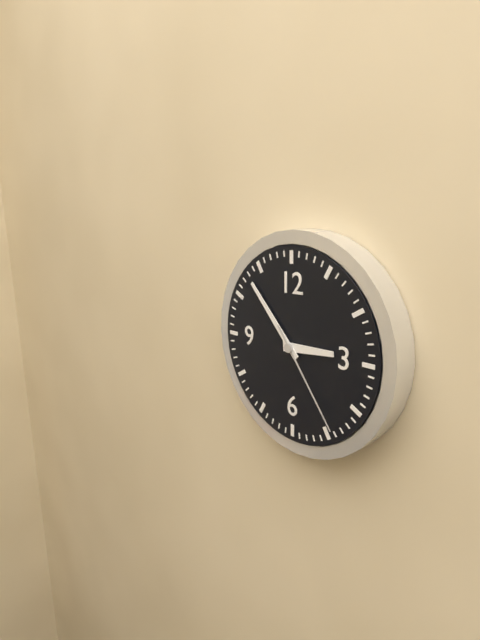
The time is {"hour": 2, "minute": 53, "second": 24}
